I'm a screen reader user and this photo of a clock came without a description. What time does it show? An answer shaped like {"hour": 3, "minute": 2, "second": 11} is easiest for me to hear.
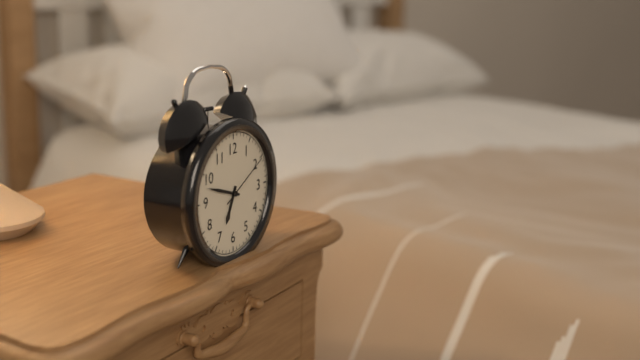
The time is {"hour": 6, "minute": 48, "second": 10}
